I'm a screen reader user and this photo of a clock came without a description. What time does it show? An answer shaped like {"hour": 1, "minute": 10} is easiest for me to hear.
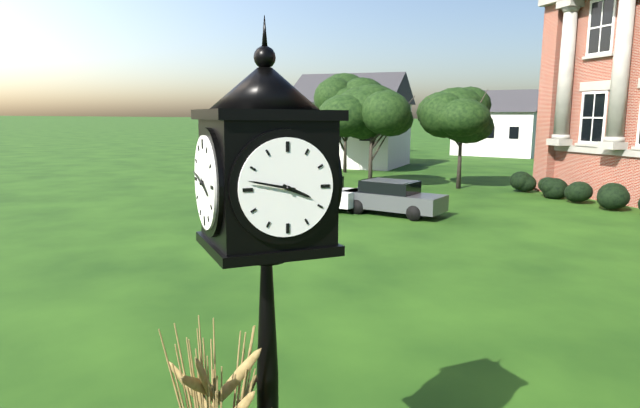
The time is {"hour": 3, "minute": 47}
